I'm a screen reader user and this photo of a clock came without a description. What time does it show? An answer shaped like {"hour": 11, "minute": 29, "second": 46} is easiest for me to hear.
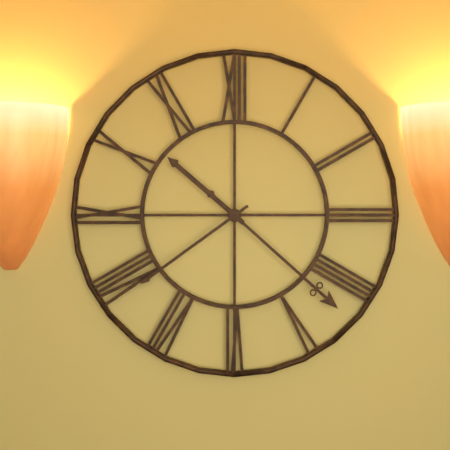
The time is {"hour": 10, "minute": 22, "second": 39}
